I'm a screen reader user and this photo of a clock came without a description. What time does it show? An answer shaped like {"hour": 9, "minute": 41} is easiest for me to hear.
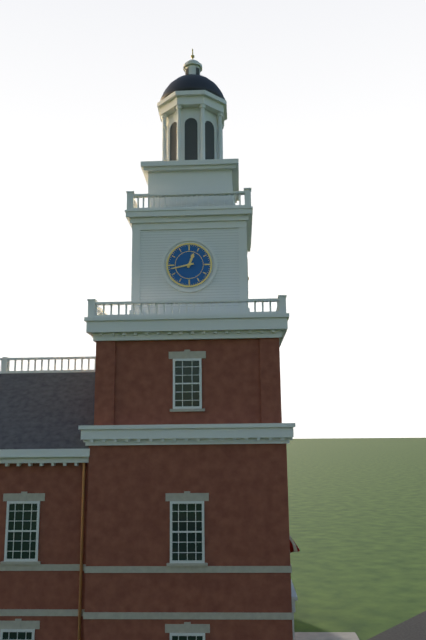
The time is {"hour": 12, "minute": 43}
